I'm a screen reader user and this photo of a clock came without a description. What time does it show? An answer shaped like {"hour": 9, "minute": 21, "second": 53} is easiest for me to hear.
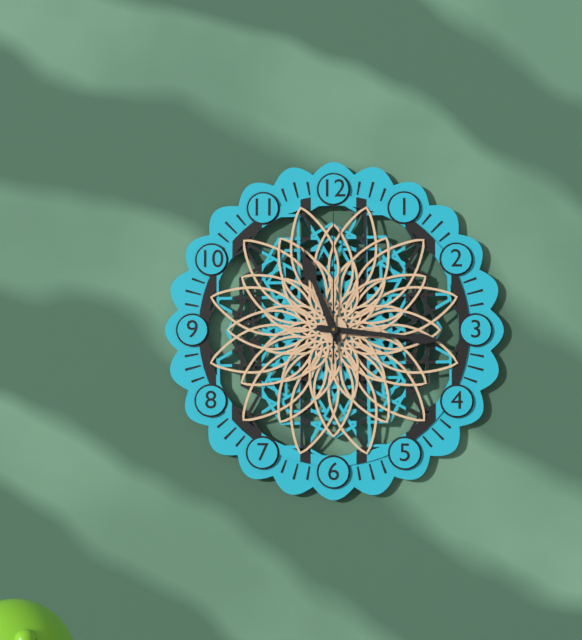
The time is {"hour": 11, "minute": 16, "second": 0}
